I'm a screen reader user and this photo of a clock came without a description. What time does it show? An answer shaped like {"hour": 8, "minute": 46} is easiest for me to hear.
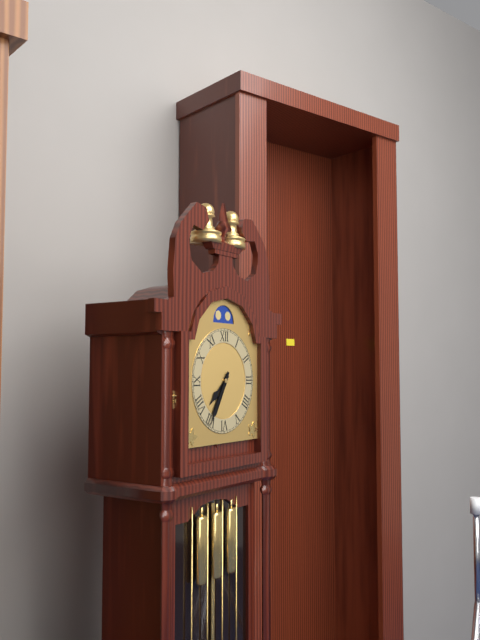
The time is {"hour": 7, "minute": 35}
